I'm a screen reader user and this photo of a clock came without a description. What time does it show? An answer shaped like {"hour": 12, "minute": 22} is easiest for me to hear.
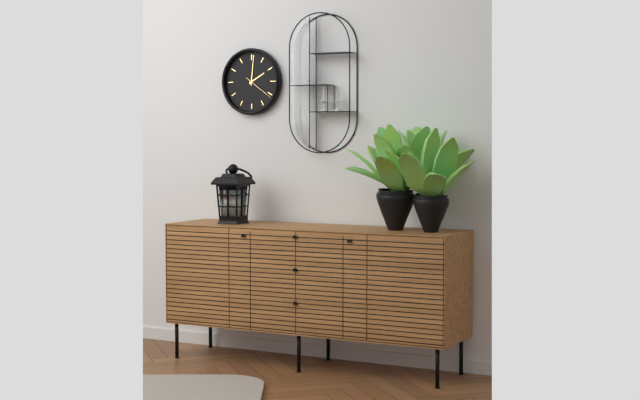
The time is {"hour": 2, "minute": 1}
